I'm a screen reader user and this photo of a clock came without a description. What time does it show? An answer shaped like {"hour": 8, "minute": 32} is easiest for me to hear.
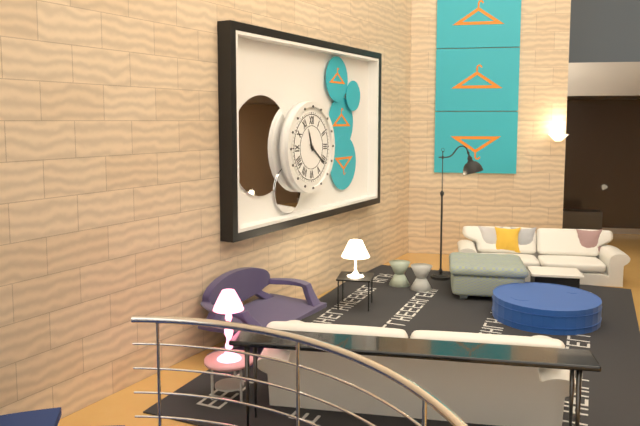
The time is {"hour": 11, "minute": 21}
